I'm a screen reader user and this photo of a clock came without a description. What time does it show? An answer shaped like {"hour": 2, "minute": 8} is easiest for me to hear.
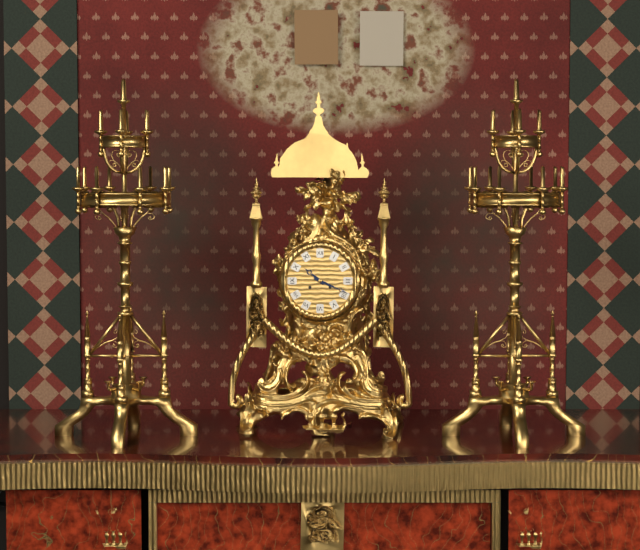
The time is {"hour": 10, "minute": 19}
